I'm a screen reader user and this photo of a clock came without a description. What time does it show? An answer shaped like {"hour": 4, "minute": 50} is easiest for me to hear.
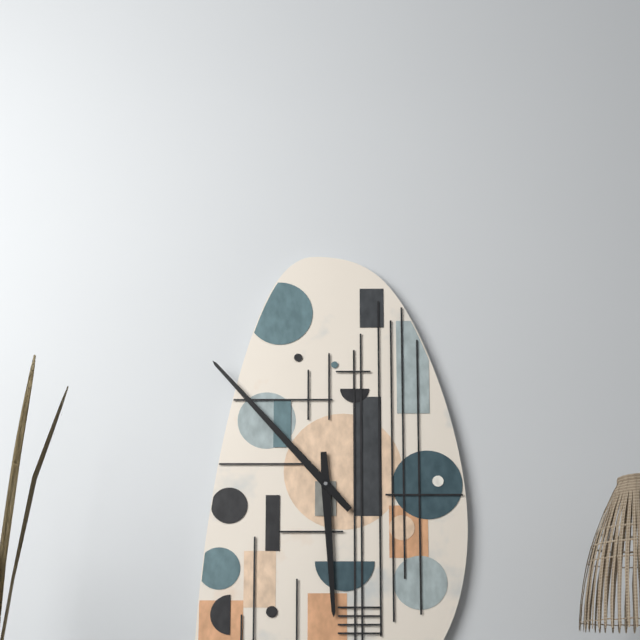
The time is {"hour": 5, "minute": 53}
